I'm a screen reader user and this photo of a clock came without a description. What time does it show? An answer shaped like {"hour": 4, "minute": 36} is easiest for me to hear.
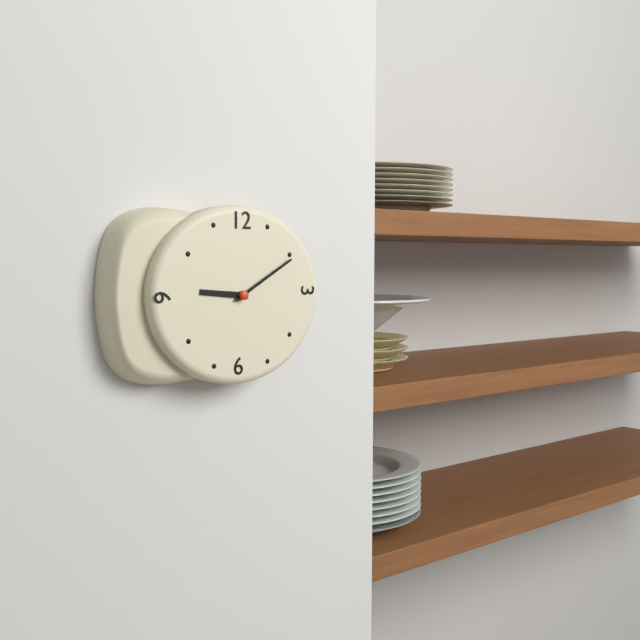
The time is {"hour": 9, "minute": 10}
